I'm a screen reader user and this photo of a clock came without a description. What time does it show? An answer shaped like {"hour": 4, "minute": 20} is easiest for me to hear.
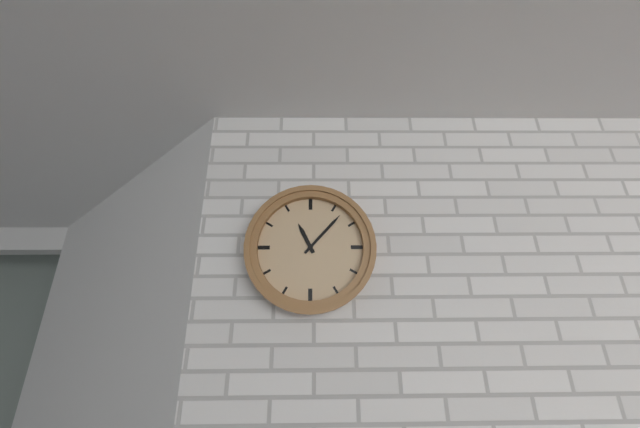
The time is {"hour": 11, "minute": 7}
